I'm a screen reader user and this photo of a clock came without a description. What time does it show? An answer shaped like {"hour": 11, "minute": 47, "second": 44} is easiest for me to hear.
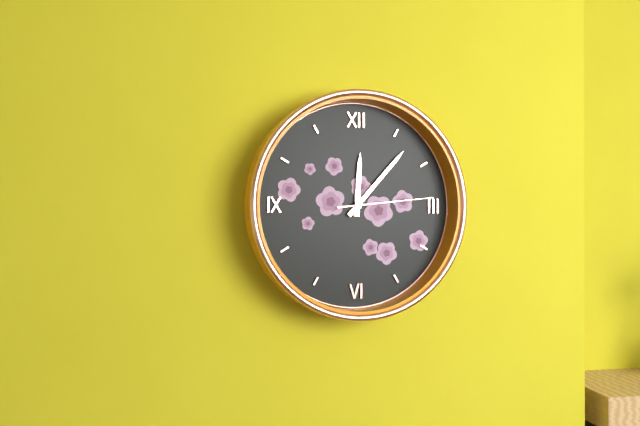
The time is {"hour": 12, "minute": 7, "second": 14}
